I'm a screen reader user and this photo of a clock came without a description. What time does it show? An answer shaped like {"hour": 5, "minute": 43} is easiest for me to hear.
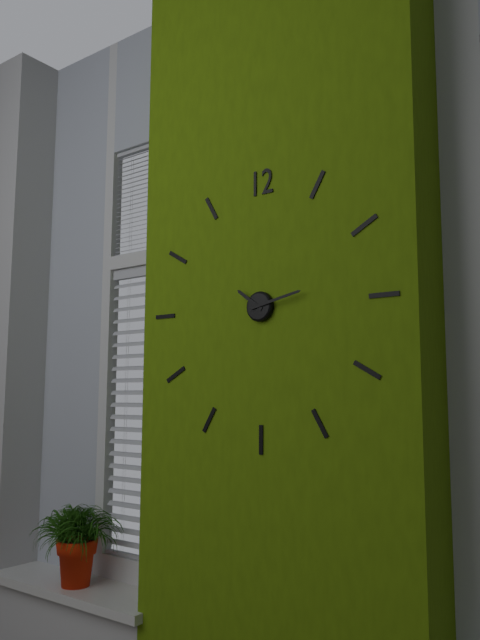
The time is {"hour": 10, "minute": 13}
